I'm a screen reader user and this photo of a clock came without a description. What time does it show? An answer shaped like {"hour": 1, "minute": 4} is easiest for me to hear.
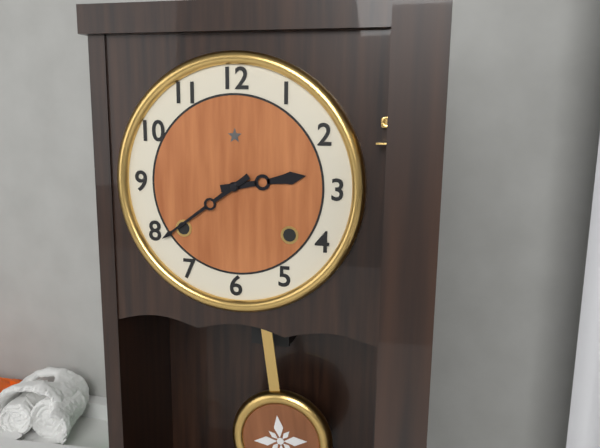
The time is {"hour": 2, "minute": 39}
